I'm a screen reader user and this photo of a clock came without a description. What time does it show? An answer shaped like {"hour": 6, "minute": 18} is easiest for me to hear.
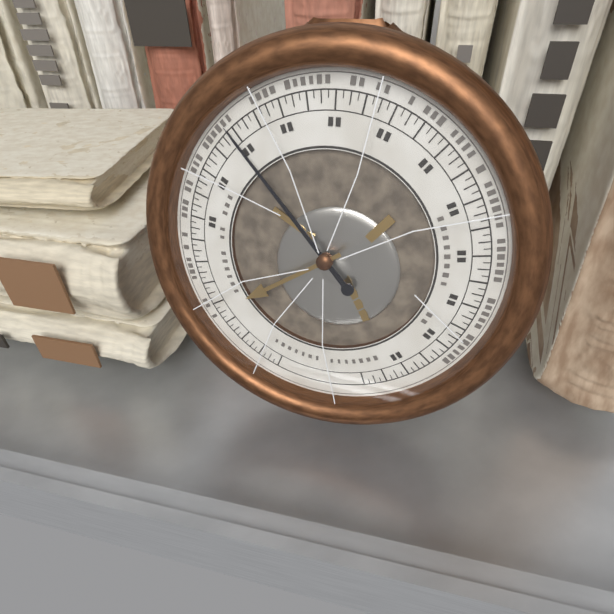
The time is {"hour": 7, "minute": 53}
